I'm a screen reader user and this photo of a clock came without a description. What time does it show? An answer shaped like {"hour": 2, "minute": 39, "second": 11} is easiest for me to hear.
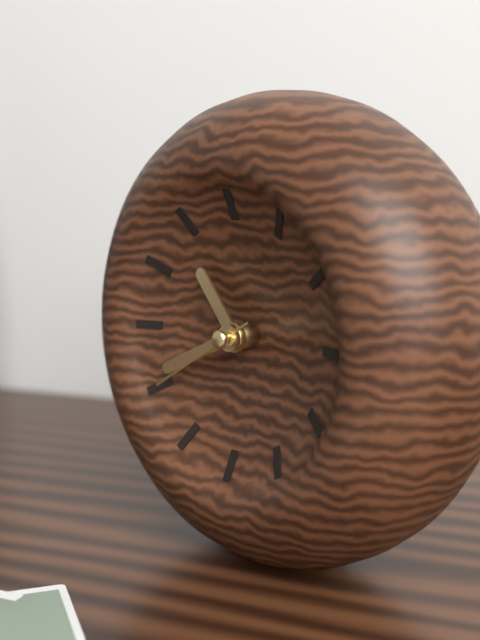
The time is {"hour": 10, "minute": 41, "second": 40}
